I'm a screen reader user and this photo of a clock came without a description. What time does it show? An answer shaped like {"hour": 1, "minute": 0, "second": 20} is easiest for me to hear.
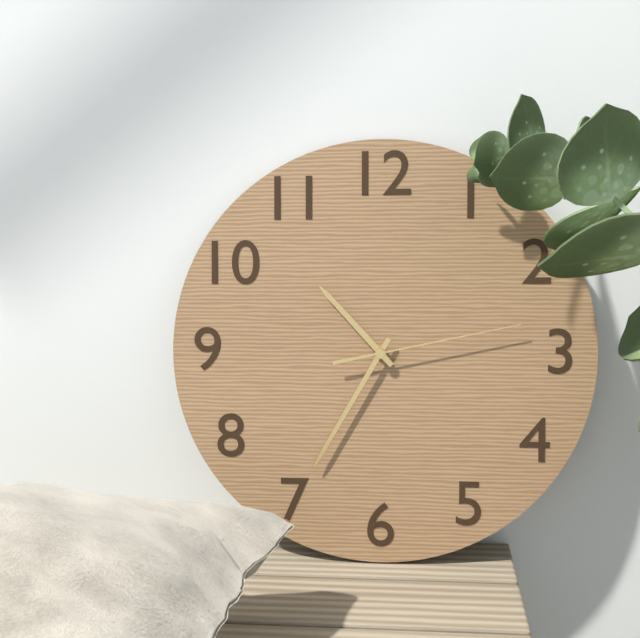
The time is {"hour": 10, "minute": 35, "second": 13}
